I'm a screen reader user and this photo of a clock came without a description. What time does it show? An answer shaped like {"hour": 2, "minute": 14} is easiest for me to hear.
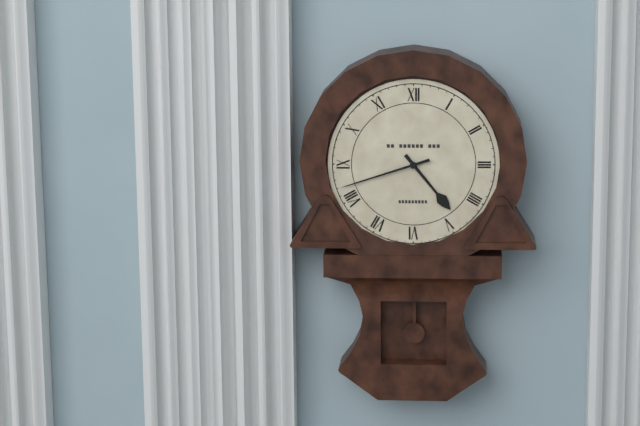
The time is {"hour": 4, "minute": 42}
